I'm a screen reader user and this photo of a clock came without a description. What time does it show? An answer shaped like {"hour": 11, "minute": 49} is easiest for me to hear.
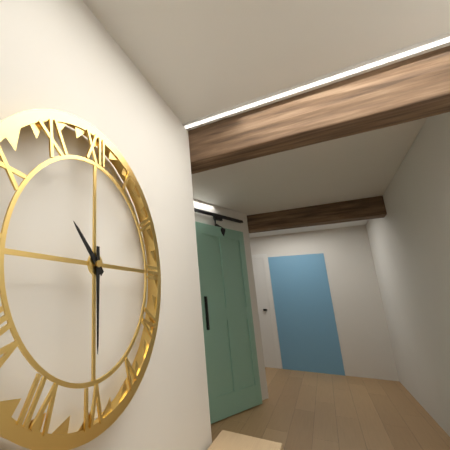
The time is {"hour": 10, "minute": 30}
